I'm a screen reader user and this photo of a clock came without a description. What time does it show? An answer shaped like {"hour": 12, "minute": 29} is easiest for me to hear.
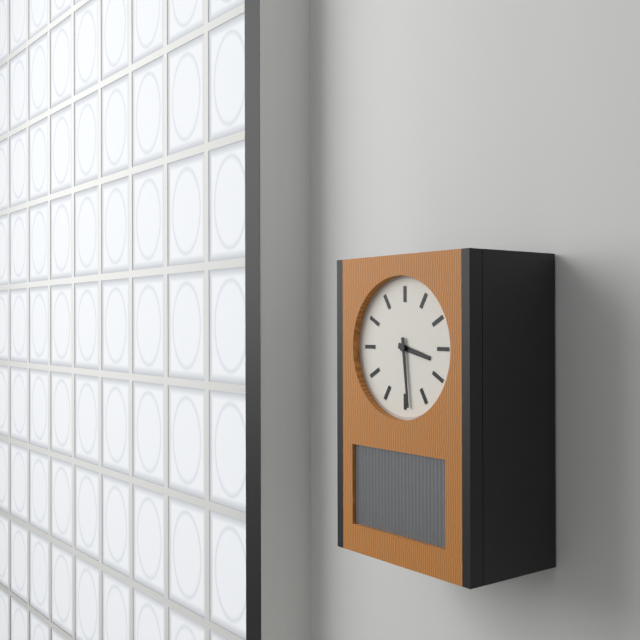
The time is {"hour": 3, "minute": 29}
